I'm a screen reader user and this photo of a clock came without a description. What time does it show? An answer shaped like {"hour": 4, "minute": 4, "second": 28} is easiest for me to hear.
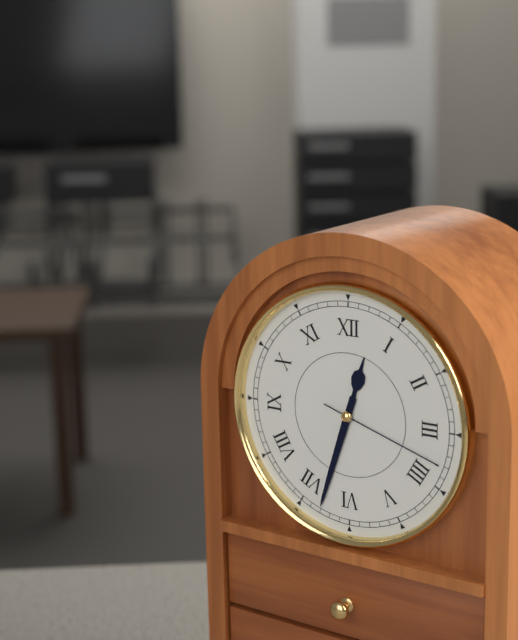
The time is {"hour": 12, "minute": 33, "second": 18}
